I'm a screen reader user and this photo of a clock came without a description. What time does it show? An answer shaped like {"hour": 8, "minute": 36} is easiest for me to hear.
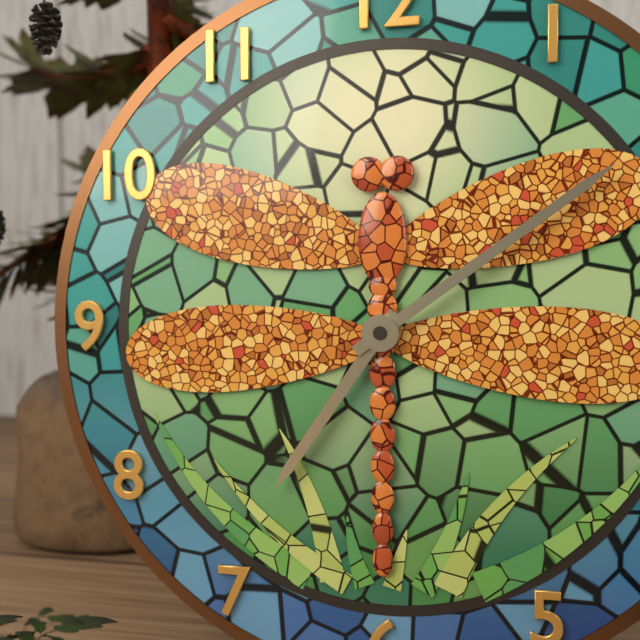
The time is {"hour": 7, "minute": 9}
